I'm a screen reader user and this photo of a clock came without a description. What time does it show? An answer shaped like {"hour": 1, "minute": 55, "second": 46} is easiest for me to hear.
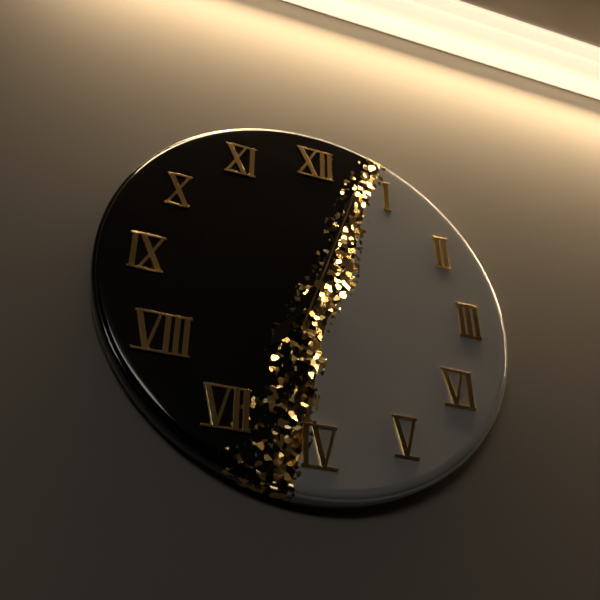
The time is {"hour": 7, "minute": 3, "second": 3}
